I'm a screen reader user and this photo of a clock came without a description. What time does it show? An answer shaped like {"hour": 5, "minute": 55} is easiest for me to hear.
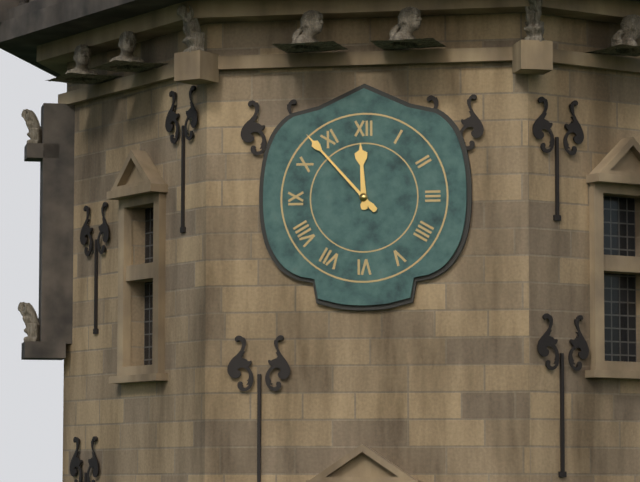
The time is {"hour": 11, "minute": 53}
